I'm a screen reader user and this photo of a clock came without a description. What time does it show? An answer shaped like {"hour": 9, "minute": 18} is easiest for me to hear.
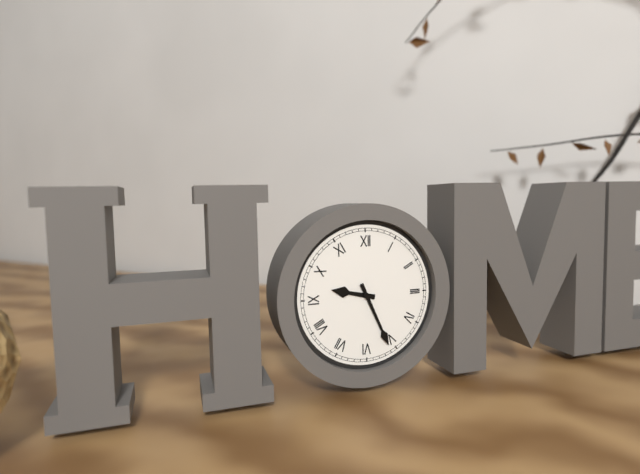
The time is {"hour": 9, "minute": 26}
